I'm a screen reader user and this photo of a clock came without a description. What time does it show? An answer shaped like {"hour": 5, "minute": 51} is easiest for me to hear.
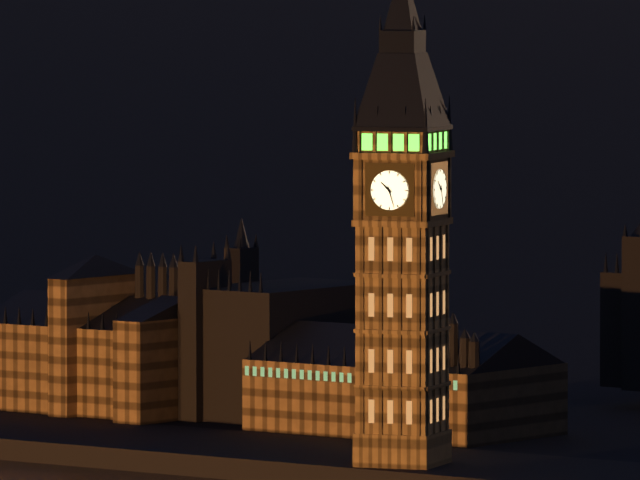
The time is {"hour": 10, "minute": 27}
